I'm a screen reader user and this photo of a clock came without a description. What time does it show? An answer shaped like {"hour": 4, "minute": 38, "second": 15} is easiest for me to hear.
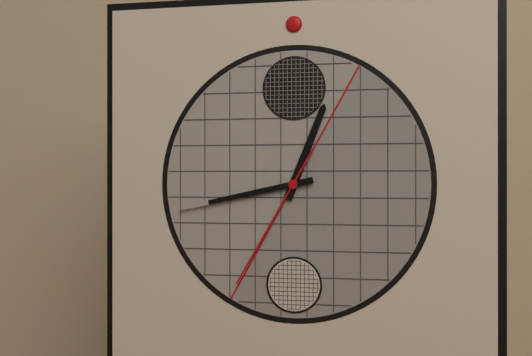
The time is {"hour": 12, "minute": 43, "second": 35}
